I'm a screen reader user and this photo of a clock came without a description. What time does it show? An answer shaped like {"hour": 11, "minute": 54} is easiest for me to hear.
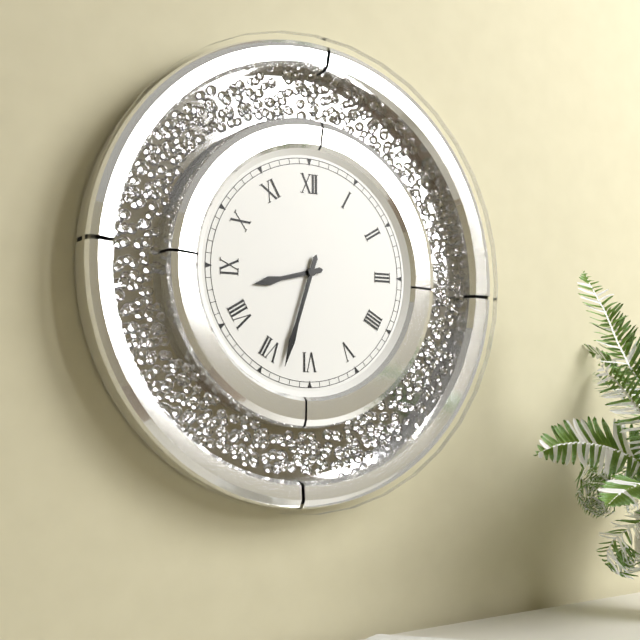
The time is {"hour": 8, "minute": 33}
